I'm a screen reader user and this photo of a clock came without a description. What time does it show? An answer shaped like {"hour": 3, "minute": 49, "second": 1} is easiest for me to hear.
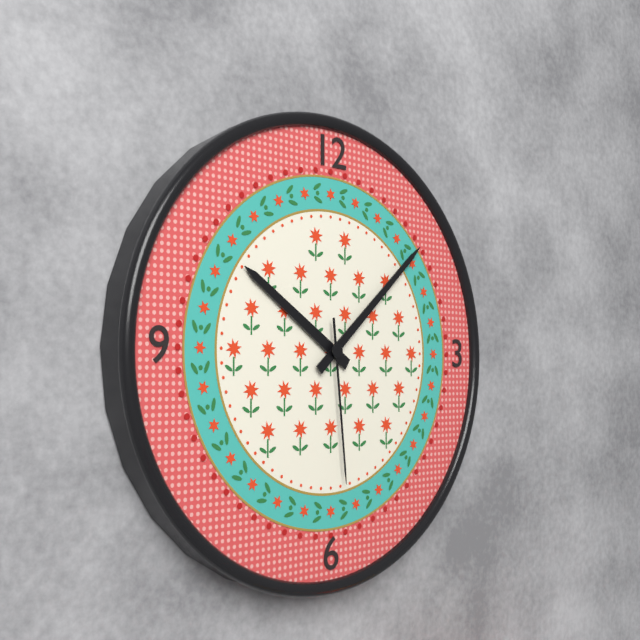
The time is {"hour": 10, "minute": 8, "second": 29}
